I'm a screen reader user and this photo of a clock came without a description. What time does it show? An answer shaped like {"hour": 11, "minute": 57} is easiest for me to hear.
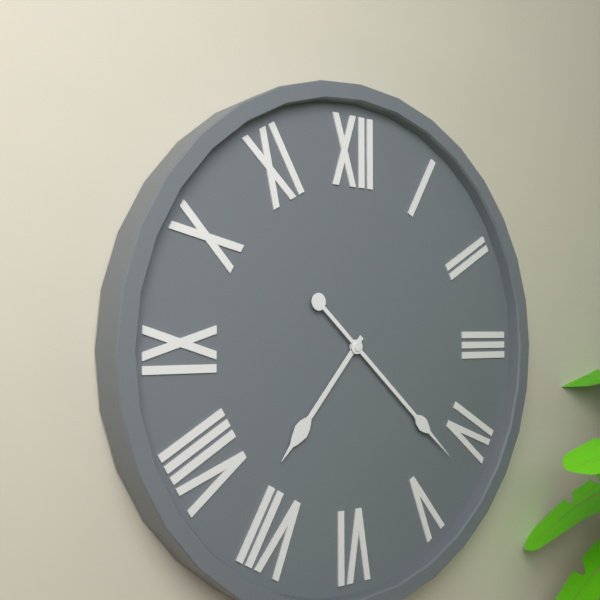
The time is {"hour": 7, "minute": 22}
